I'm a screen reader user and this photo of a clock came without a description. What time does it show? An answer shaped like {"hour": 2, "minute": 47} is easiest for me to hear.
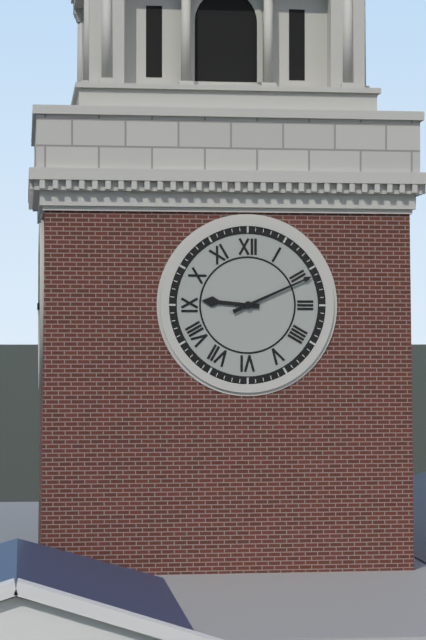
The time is {"hour": 9, "minute": 11}
